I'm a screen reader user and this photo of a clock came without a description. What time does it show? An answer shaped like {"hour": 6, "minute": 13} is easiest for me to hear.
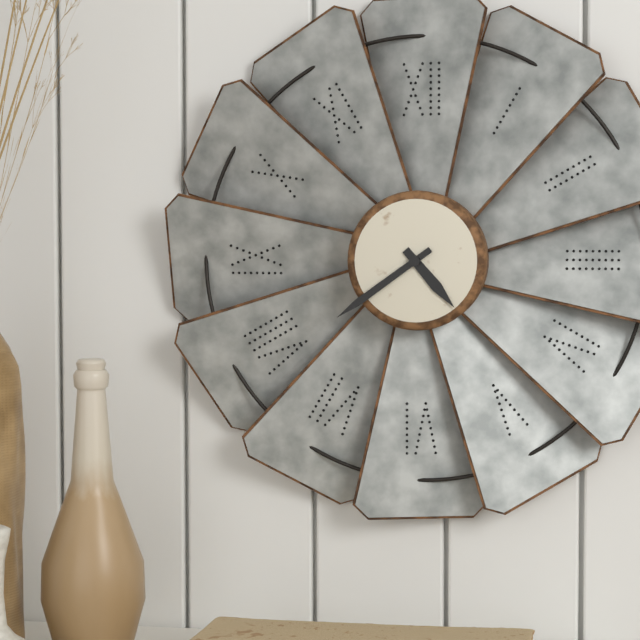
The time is {"hour": 4, "minute": 39}
